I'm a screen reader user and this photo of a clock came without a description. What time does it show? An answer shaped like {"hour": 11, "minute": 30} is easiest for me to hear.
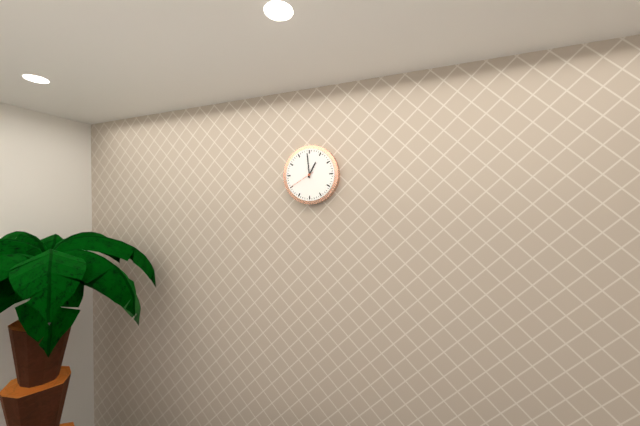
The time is {"hour": 12, "minute": 59}
